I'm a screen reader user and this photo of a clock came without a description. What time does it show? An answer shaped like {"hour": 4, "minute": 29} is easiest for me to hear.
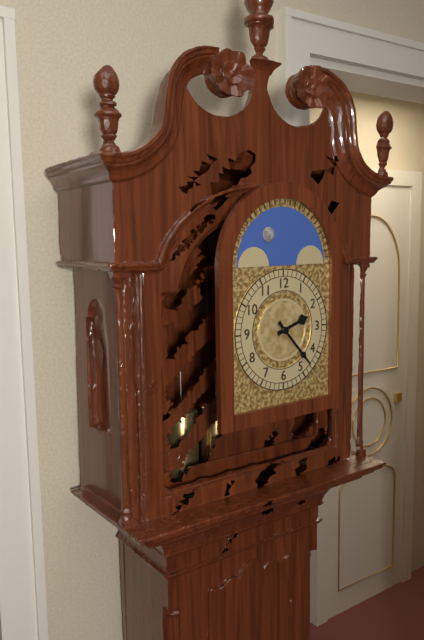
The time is {"hour": 2, "minute": 23}
